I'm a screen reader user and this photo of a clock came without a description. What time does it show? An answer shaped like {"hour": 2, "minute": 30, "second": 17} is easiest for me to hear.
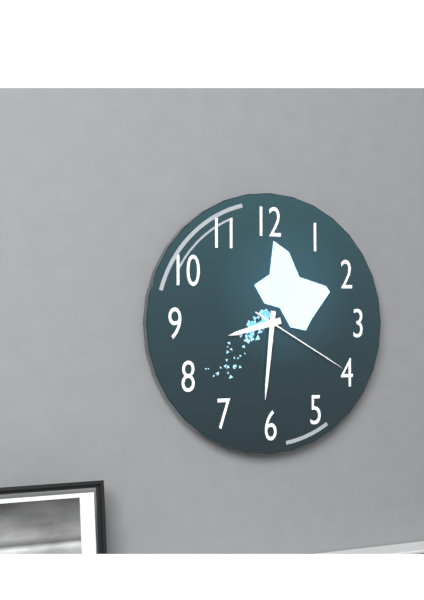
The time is {"hour": 8, "minute": 31, "second": 20}
